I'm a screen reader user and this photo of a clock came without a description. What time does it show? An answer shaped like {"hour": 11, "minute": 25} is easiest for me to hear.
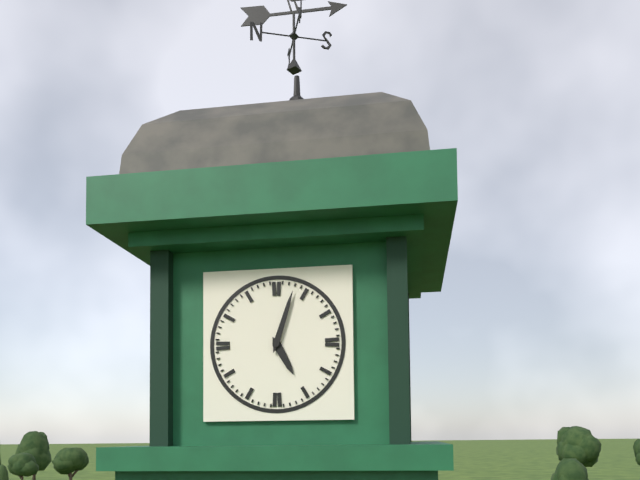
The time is {"hour": 5, "minute": 3}
